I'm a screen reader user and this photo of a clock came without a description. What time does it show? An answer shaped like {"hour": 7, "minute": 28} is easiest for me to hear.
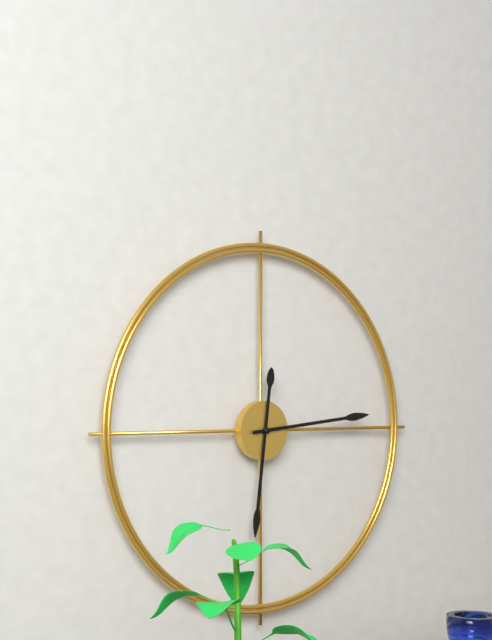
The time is {"hour": 6, "minute": 14}
